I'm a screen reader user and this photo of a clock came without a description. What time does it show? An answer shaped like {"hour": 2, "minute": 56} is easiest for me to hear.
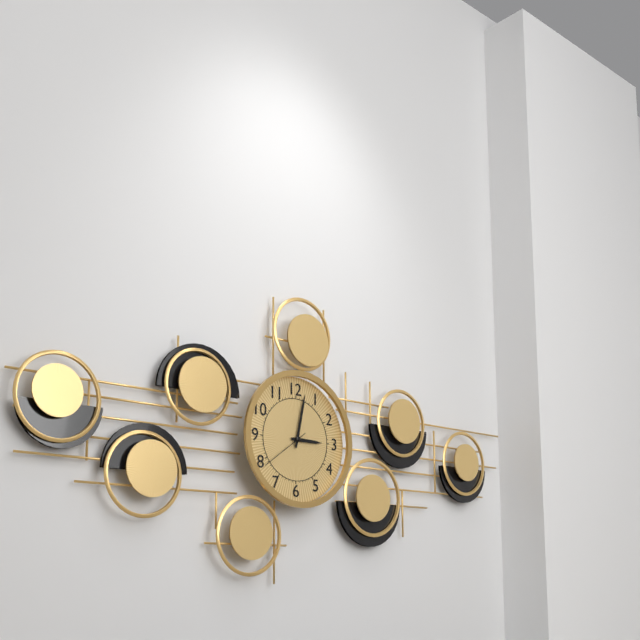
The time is {"hour": 3, "minute": 2}
